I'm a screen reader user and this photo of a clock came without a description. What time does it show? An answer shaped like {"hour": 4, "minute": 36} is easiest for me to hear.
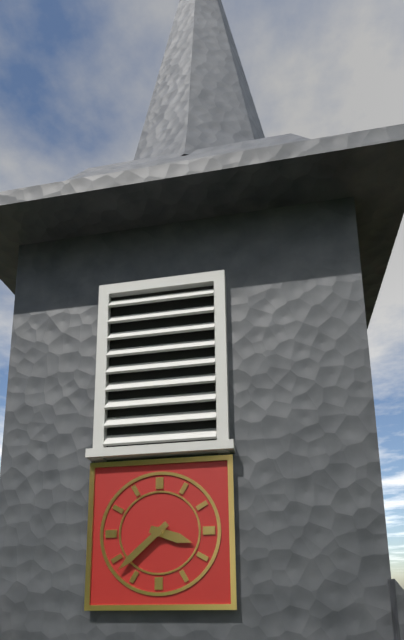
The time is {"hour": 3, "minute": 38}
